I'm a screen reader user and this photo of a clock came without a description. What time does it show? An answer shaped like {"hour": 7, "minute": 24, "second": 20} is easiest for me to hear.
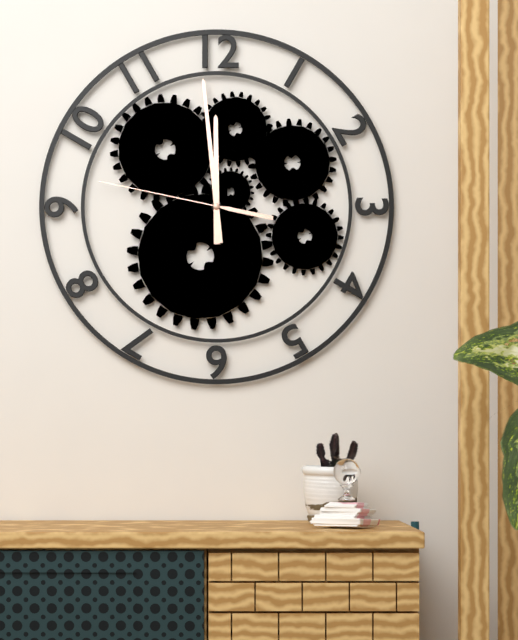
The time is {"hour": 11, "minute": 59, "second": 47}
